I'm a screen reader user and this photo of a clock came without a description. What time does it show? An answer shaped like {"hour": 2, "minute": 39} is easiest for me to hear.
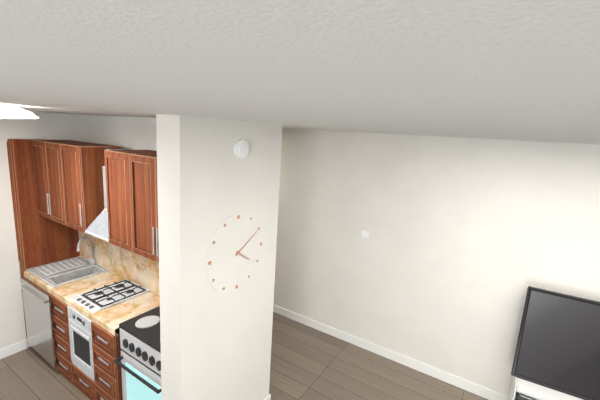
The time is {"hour": 4, "minute": 10}
